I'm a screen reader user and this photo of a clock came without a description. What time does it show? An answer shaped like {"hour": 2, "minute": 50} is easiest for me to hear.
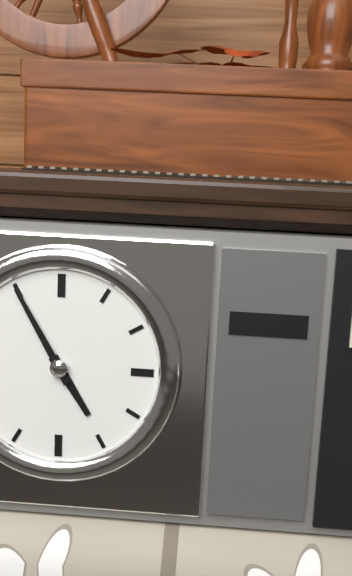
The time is {"hour": 4, "minute": 55}
